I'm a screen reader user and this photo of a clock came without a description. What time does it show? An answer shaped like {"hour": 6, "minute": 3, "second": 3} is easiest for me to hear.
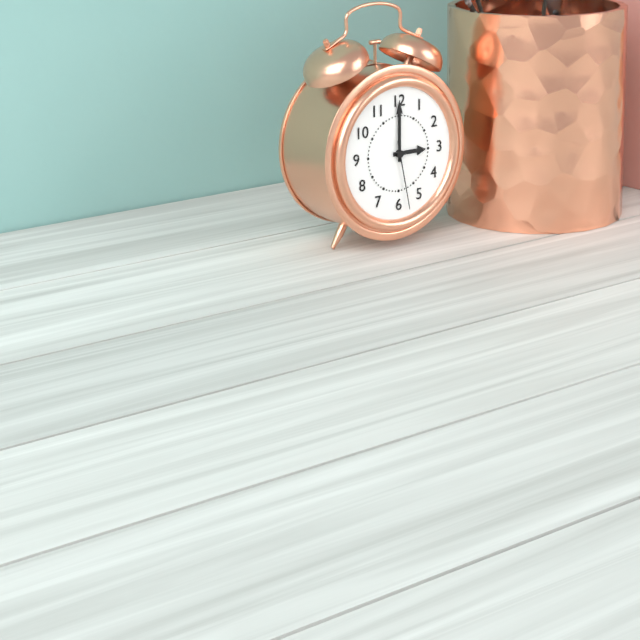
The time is {"hour": 3, "minute": 0, "second": 28}
